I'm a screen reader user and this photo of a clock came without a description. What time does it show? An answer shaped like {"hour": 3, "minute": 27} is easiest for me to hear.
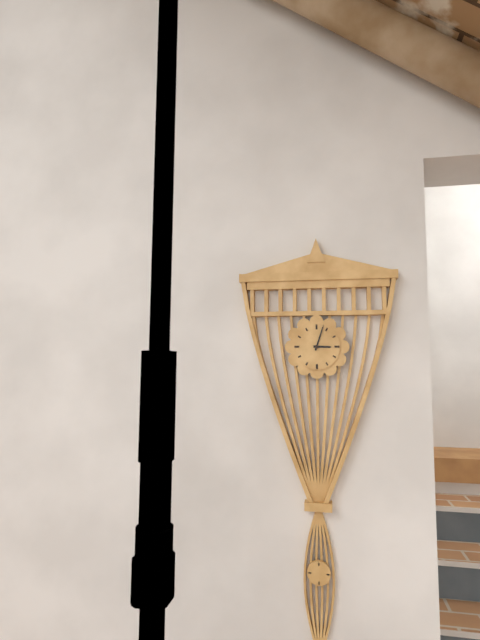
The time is {"hour": 3, "minute": 3}
